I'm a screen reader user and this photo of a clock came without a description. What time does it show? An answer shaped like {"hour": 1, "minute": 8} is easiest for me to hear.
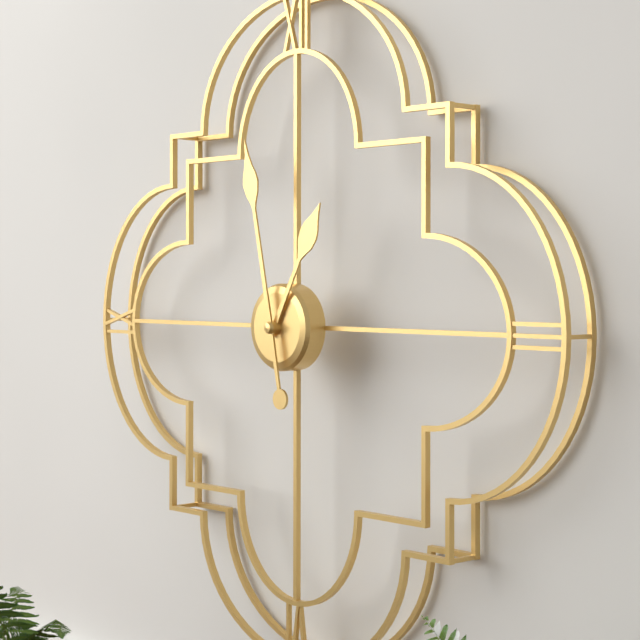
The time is {"hour": 12, "minute": 58}
